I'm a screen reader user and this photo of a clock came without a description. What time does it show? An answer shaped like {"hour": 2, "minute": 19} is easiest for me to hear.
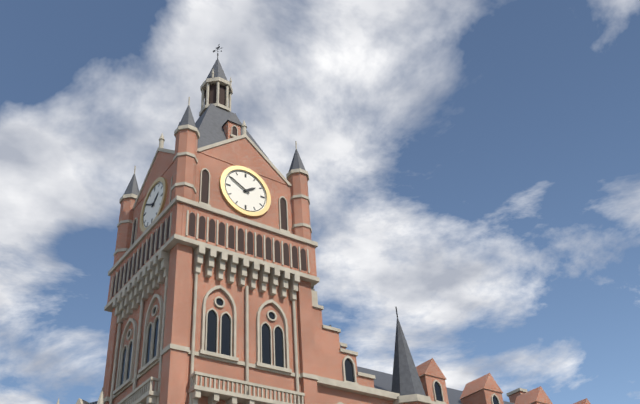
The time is {"hour": 1, "minute": 50}
